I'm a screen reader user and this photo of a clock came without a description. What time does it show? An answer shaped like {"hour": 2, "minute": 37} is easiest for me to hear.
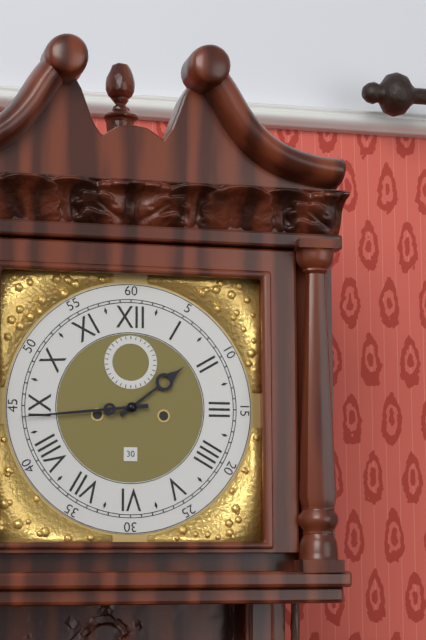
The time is {"hour": 1, "minute": 44}
